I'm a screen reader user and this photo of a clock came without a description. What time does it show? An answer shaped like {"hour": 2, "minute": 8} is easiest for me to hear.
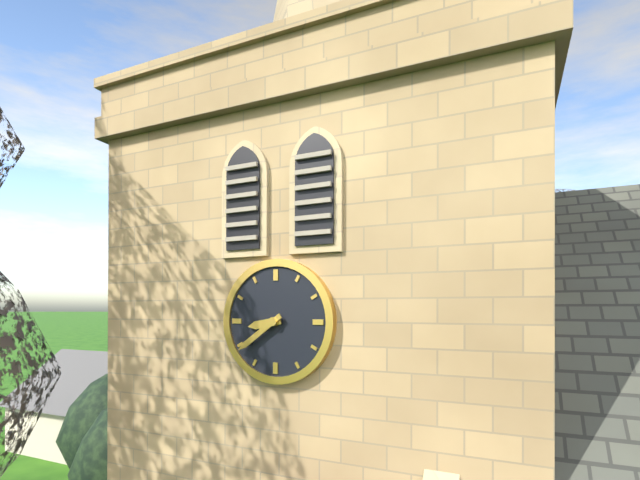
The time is {"hour": 8, "minute": 39}
